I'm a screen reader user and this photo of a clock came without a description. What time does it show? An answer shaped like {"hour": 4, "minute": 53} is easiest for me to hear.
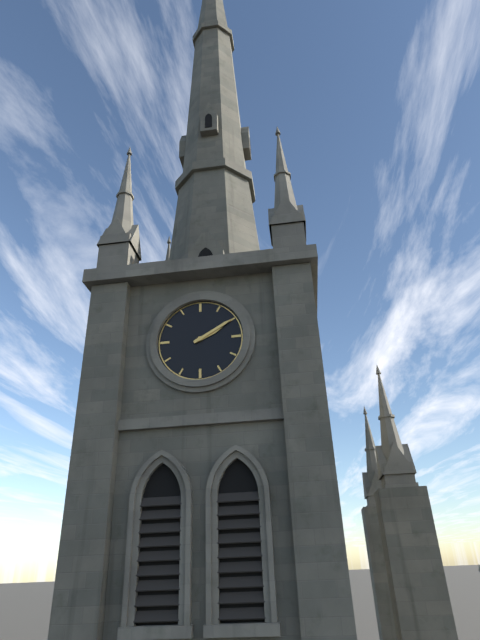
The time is {"hour": 2, "minute": 10}
